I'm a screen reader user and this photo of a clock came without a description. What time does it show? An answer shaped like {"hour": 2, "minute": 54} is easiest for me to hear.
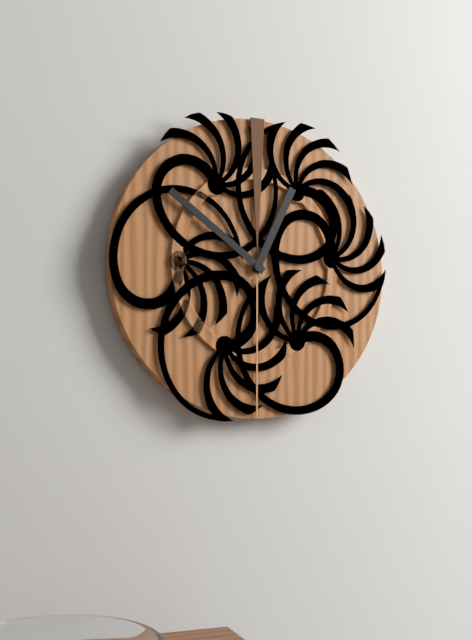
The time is {"hour": 12, "minute": 51}
